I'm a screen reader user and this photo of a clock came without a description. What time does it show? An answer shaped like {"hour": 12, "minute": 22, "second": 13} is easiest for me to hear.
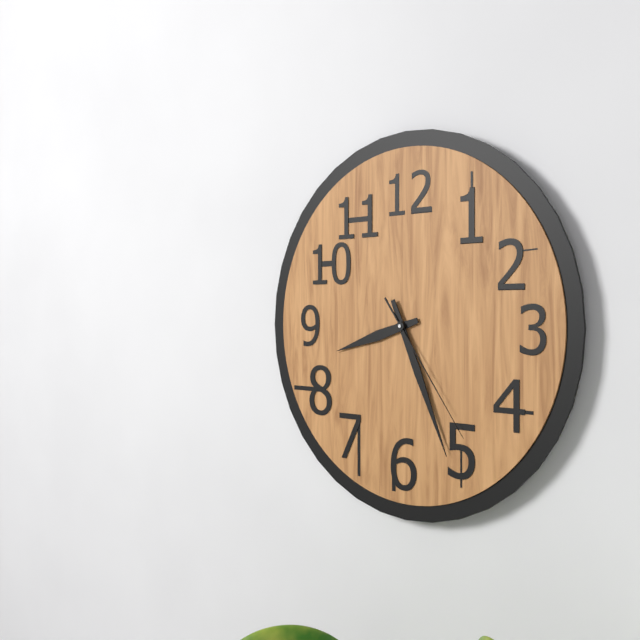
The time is {"hour": 8, "minute": 26, "second": 24}
